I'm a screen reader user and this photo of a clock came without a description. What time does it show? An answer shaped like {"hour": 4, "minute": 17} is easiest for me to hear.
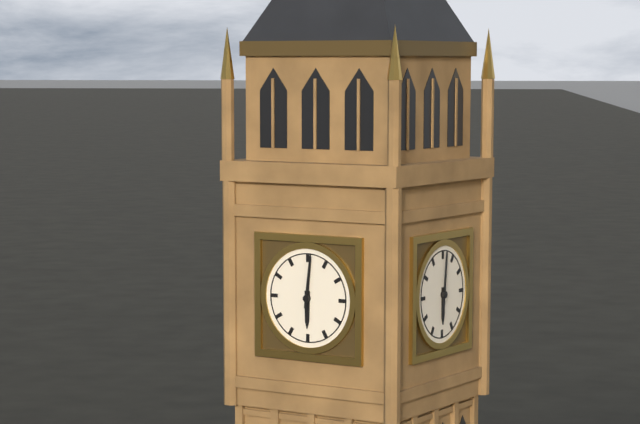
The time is {"hour": 6, "minute": 1}
